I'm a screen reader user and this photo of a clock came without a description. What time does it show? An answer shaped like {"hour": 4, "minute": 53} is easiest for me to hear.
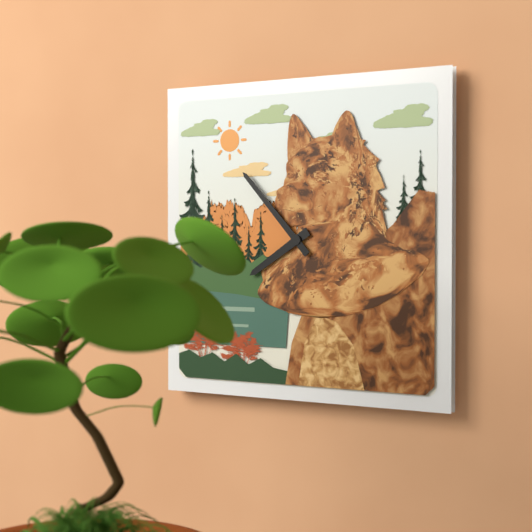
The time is {"hour": 7, "minute": 53}
